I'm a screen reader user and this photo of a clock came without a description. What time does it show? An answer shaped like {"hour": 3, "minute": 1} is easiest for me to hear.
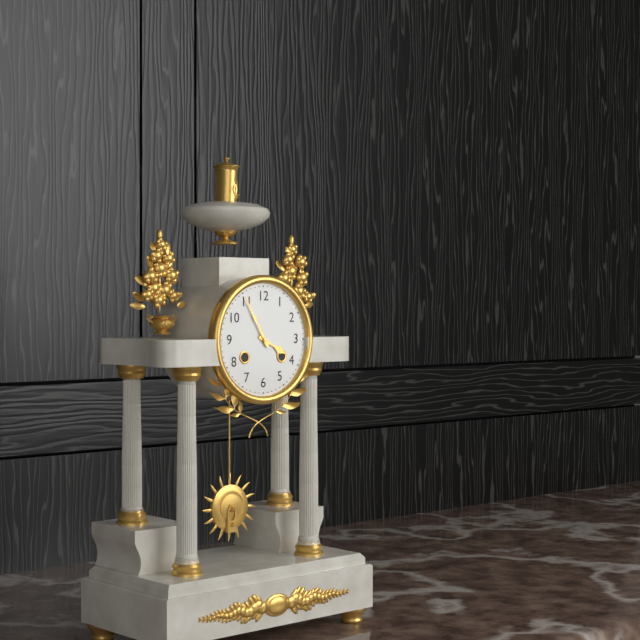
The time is {"hour": 3, "minute": 55}
